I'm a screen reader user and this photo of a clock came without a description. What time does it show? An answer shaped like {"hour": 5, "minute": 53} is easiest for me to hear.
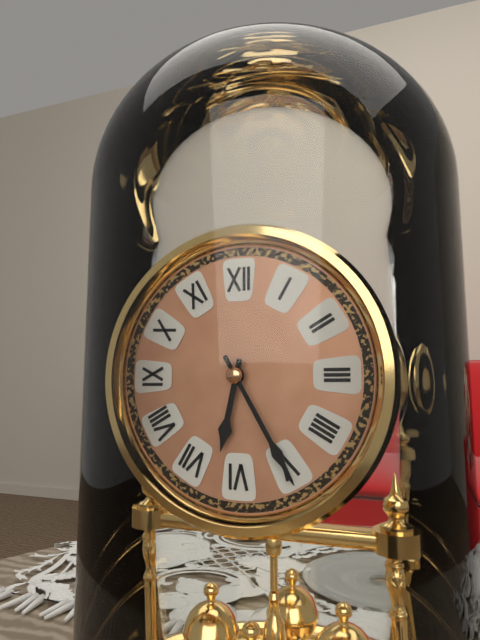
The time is {"hour": 6, "minute": 25}
